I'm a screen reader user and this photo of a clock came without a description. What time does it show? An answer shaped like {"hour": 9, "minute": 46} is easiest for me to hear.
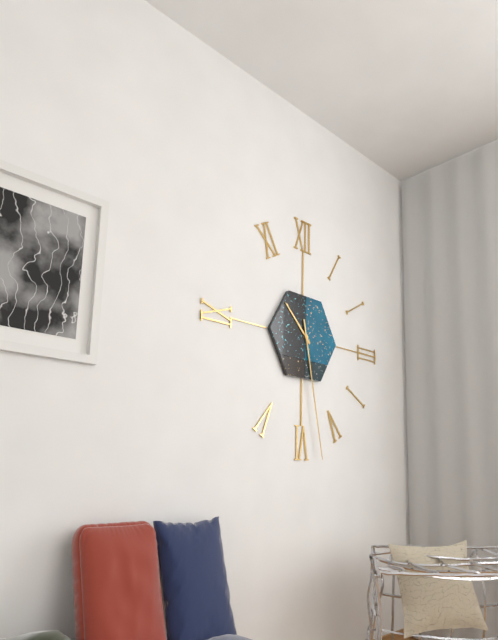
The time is {"hour": 10, "minute": 28}
